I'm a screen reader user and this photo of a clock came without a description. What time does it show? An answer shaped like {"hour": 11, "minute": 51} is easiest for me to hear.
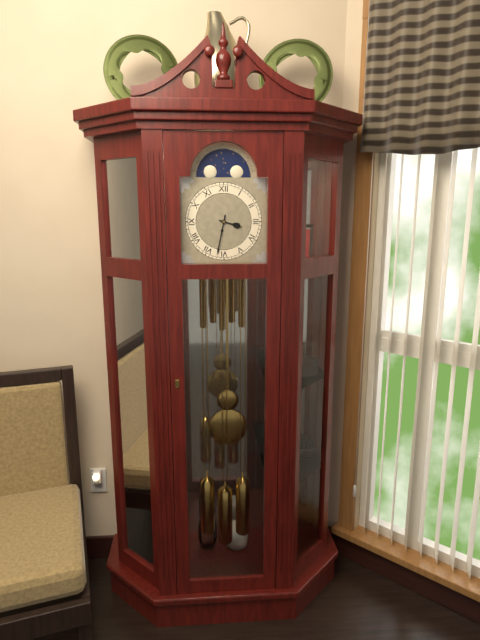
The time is {"hour": 3, "minute": 32}
